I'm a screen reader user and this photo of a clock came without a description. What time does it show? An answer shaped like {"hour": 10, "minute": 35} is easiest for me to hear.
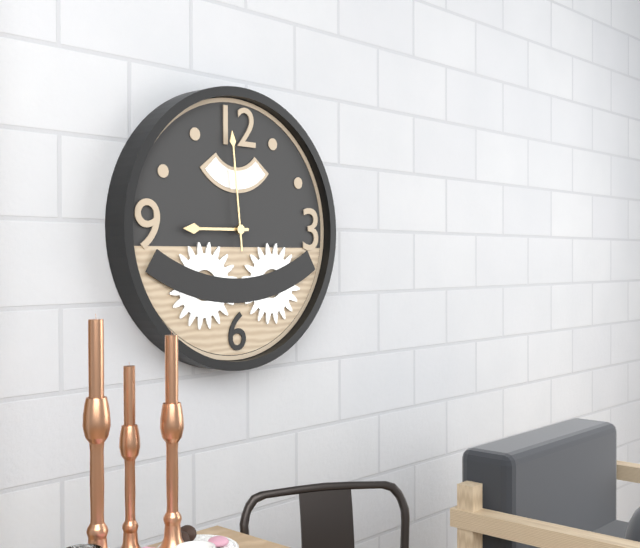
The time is {"hour": 8, "minute": 59}
